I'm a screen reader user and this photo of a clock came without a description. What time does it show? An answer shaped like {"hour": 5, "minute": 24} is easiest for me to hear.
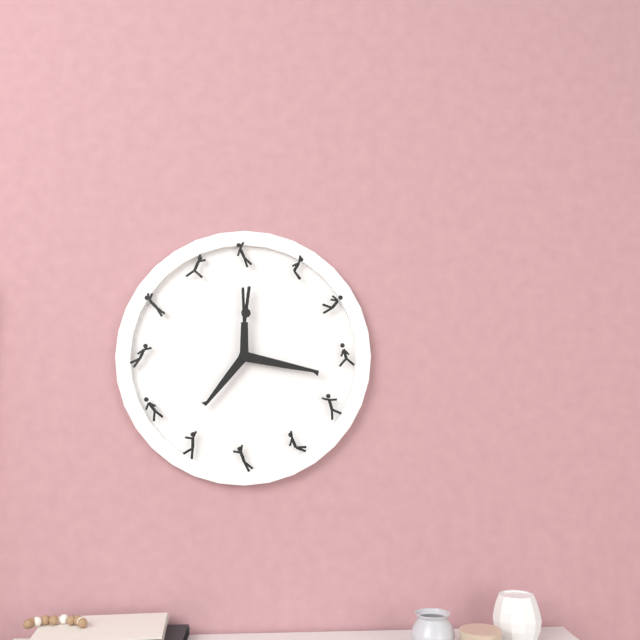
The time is {"hour": 7, "minute": 17}
